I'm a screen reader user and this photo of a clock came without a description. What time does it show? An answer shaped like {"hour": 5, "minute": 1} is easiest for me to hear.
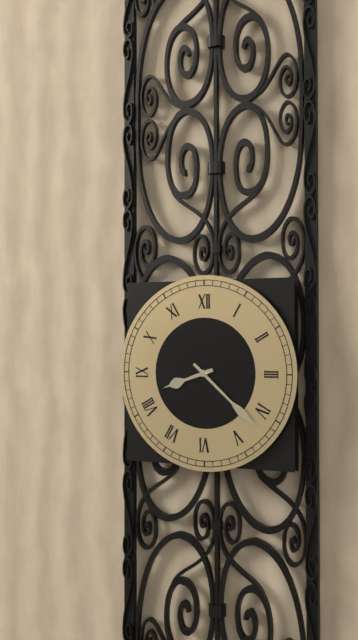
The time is {"hour": 8, "minute": 22}
